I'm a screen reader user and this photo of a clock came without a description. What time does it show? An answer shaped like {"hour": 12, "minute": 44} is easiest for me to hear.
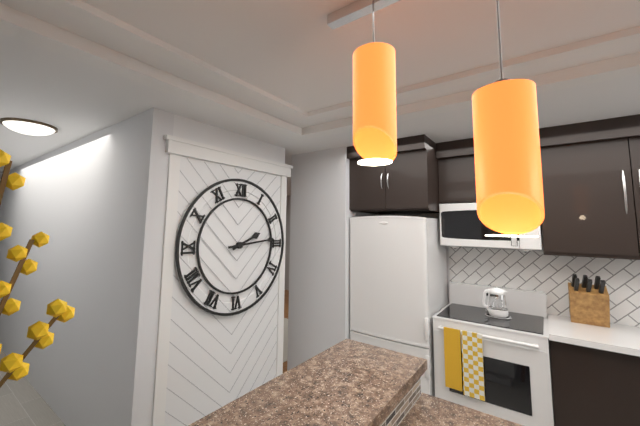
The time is {"hour": 2, "minute": 14}
